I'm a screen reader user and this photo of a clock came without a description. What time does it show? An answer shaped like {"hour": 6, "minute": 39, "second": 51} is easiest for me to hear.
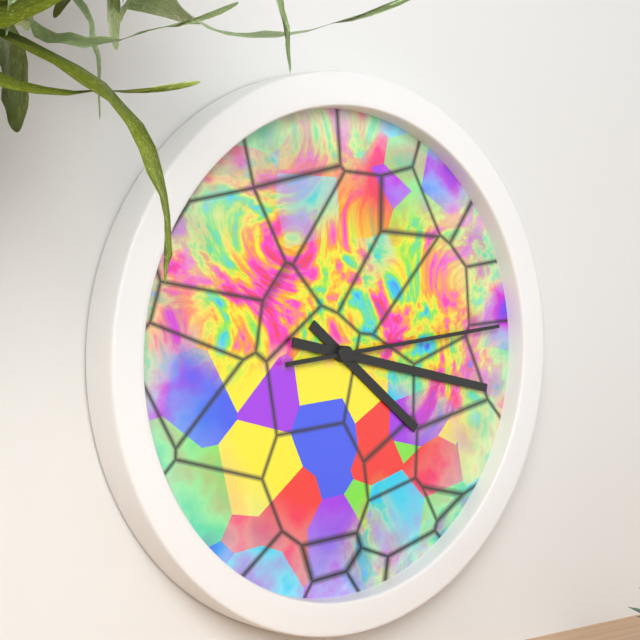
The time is {"hour": 4, "minute": 17, "second": 14}
